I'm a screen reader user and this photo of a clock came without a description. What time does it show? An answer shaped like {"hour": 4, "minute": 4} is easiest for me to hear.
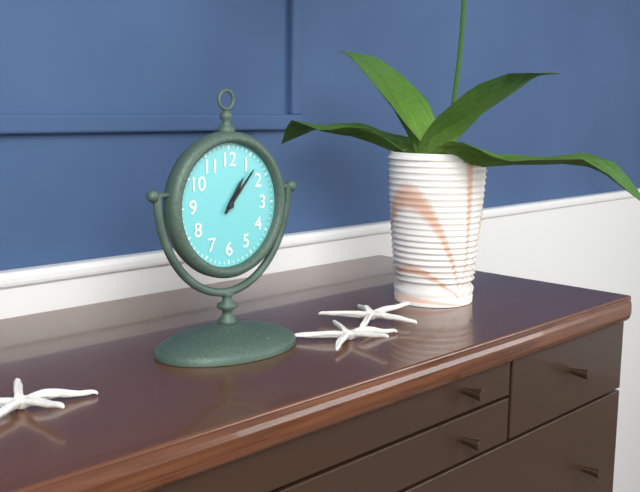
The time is {"hour": 1, "minute": 7}
